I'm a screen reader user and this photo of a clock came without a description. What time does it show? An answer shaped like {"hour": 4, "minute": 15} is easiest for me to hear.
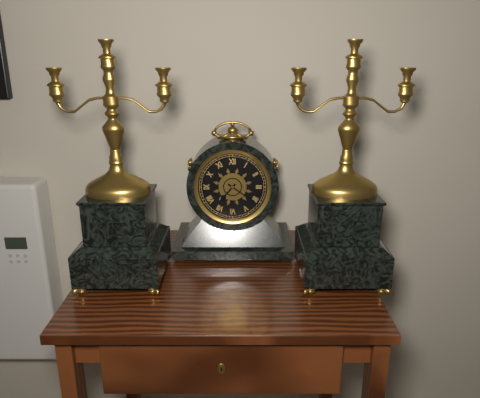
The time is {"hour": 7, "minute": 21}
